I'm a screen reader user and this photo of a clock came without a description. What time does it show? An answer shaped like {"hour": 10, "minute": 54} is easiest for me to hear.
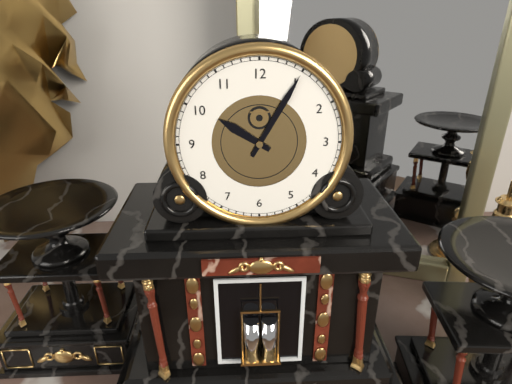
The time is {"hour": 10, "minute": 5}
